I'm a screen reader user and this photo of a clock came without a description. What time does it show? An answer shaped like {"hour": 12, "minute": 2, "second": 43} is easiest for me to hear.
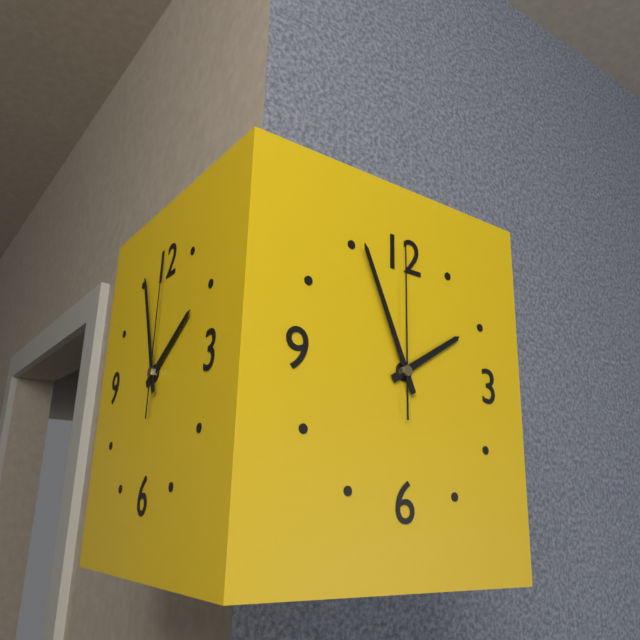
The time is {"hour": 1, "minute": 56, "second": 0}
